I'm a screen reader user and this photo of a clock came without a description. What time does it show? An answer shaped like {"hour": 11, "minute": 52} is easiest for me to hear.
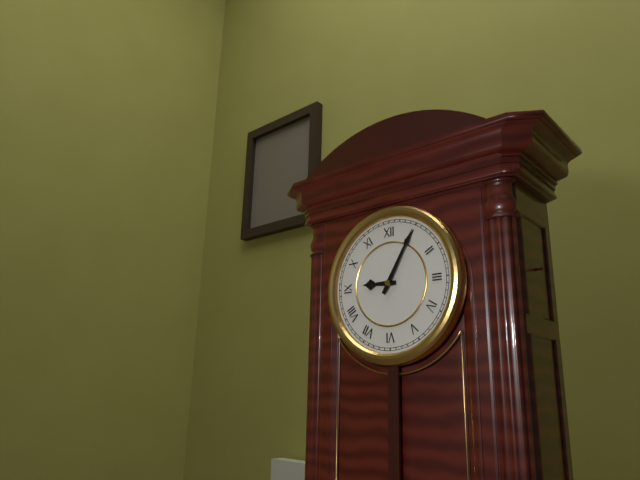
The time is {"hour": 9, "minute": 5}
